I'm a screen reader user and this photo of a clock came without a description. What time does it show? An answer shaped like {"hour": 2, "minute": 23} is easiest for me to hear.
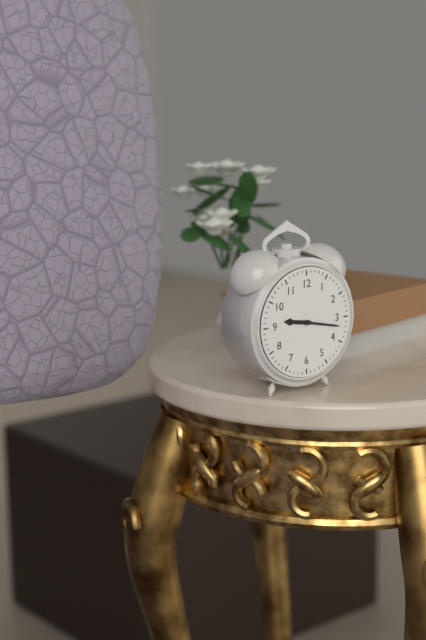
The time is {"hour": 9, "minute": 17}
